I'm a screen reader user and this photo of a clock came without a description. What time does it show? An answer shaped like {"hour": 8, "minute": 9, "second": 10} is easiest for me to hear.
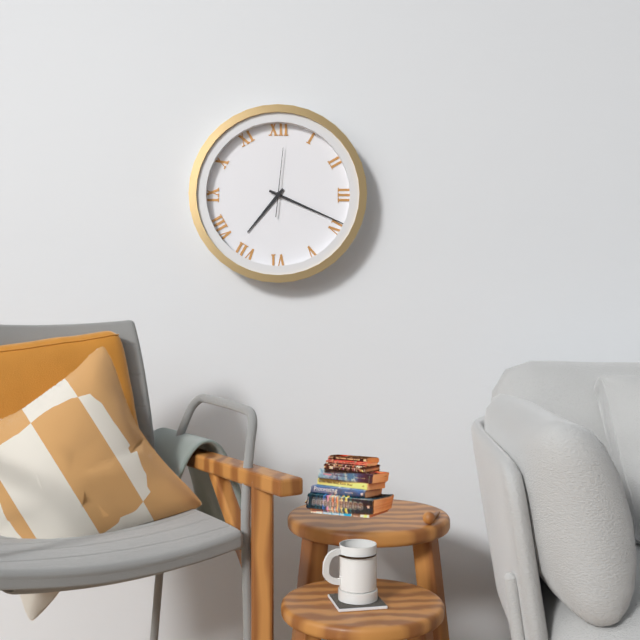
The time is {"hour": 7, "minute": 19, "second": 1}
